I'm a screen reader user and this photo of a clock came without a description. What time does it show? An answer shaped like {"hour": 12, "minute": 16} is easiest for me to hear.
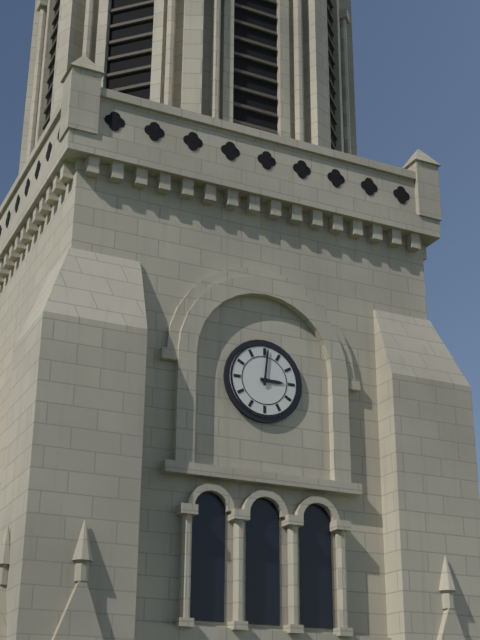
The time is {"hour": 3, "minute": 1}
